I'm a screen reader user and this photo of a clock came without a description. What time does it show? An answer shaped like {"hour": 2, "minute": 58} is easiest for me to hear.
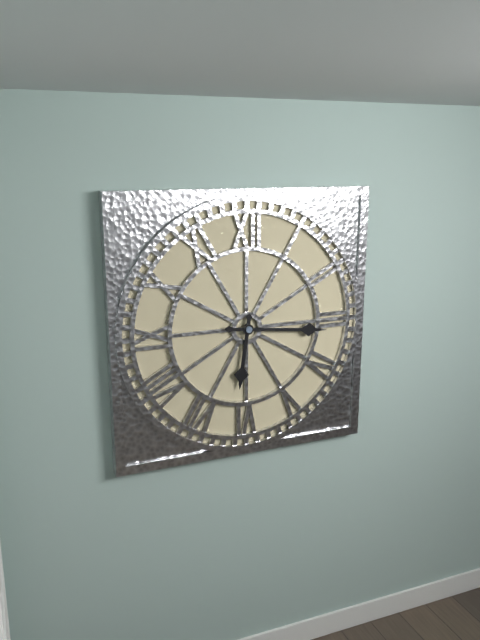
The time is {"hour": 6, "minute": 16}
